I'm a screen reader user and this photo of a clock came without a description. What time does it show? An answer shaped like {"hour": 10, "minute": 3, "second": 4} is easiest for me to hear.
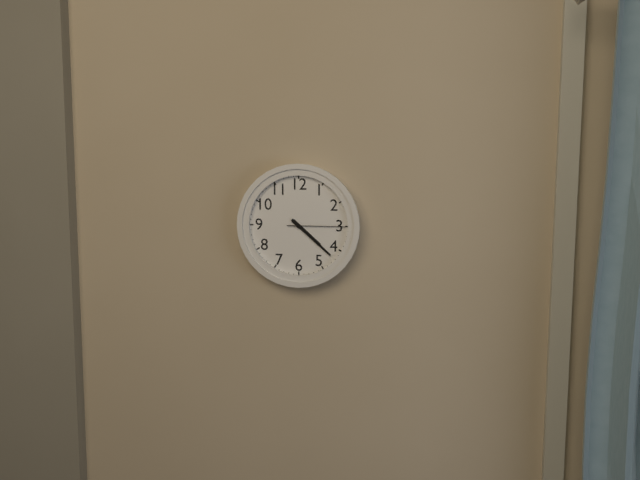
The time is {"hour": 4, "minute": 22, "second": 15}
